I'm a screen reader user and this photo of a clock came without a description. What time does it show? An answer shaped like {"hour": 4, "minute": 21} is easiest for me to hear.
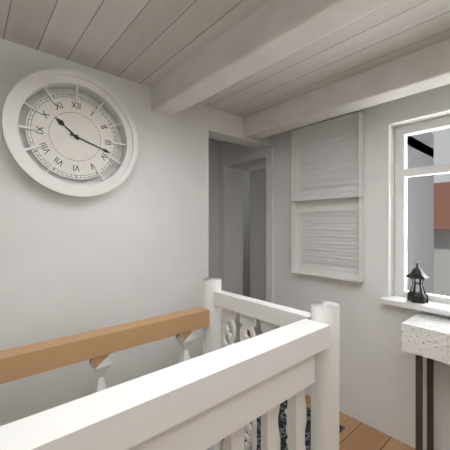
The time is {"hour": 10, "minute": 18}
